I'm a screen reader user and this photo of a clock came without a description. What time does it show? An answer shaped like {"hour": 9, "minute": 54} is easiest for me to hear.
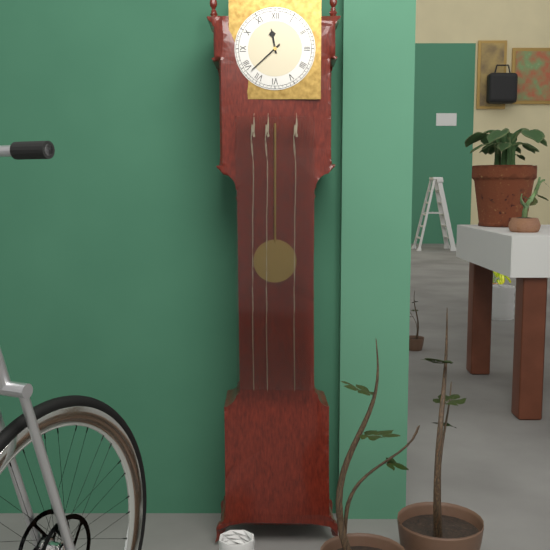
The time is {"hour": 11, "minute": 38}
